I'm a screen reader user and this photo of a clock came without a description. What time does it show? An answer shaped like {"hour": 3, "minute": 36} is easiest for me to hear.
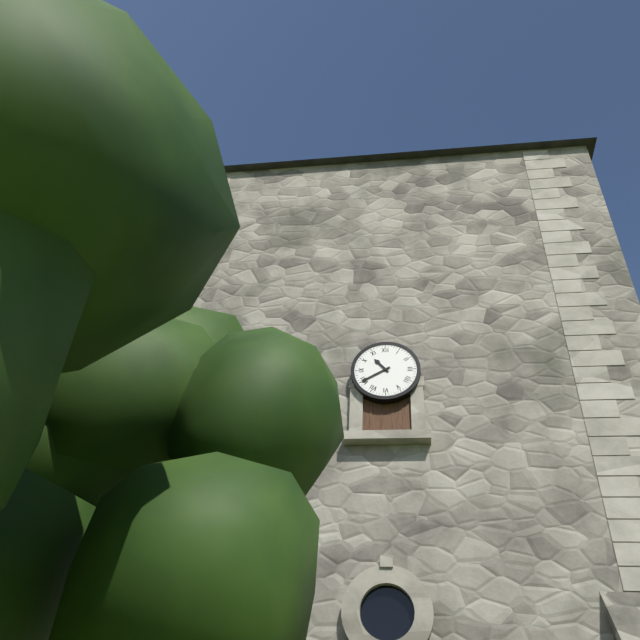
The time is {"hour": 10, "minute": 40}
